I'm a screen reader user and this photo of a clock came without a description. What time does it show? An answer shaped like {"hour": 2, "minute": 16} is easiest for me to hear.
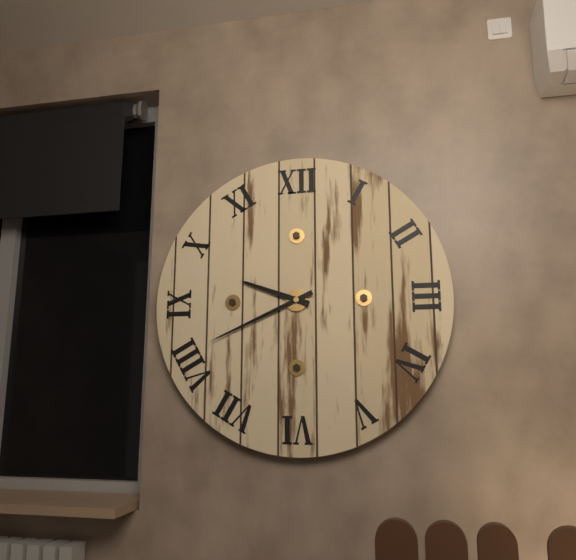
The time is {"hour": 9, "minute": 41}
